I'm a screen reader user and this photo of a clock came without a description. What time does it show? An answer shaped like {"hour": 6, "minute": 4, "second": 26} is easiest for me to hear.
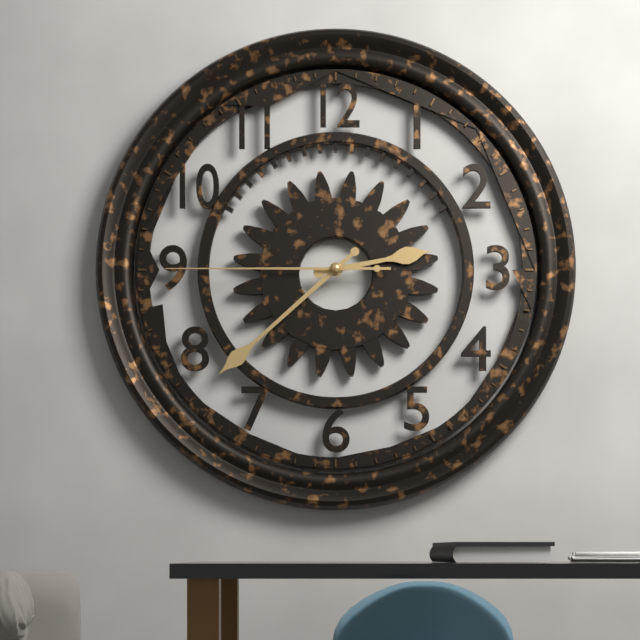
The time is {"hour": 2, "minute": 38, "second": 45}
